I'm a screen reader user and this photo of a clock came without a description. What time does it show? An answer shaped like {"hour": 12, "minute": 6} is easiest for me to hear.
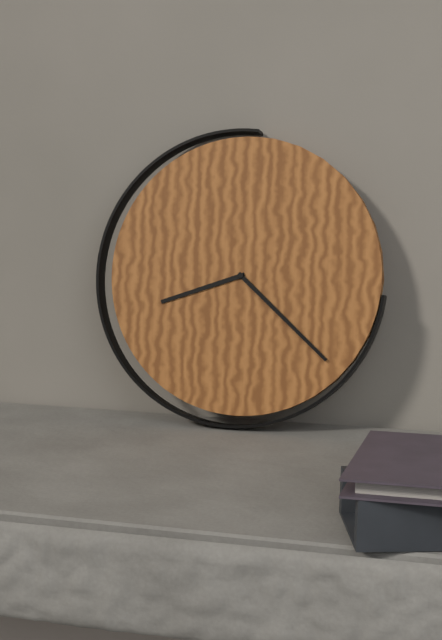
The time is {"hour": 8, "minute": 22}
